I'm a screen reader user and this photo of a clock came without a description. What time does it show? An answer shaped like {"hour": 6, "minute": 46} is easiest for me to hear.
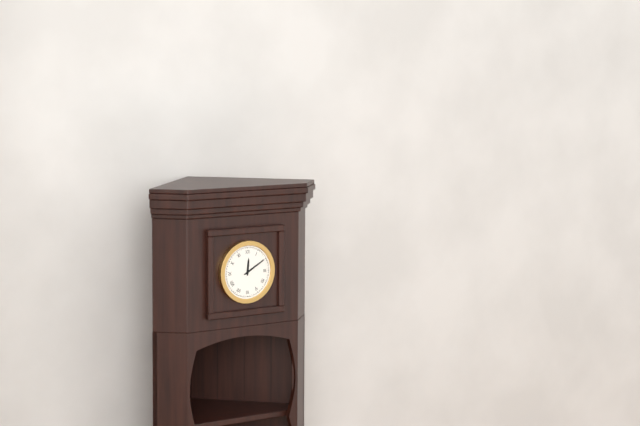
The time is {"hour": 12, "minute": 10}
